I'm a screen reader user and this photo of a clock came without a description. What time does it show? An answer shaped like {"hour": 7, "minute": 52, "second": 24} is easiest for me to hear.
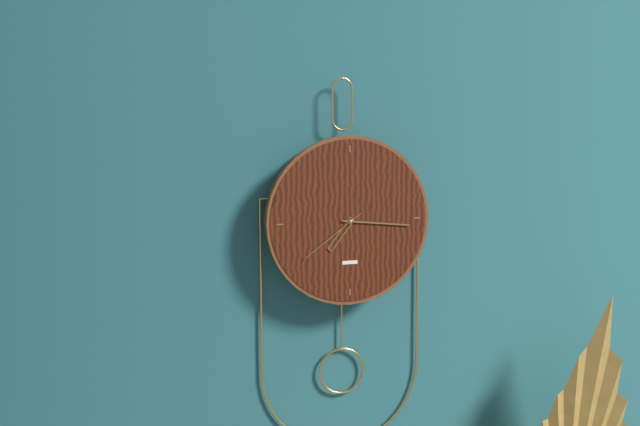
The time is {"hour": 7, "minute": 16, "second": 39}
